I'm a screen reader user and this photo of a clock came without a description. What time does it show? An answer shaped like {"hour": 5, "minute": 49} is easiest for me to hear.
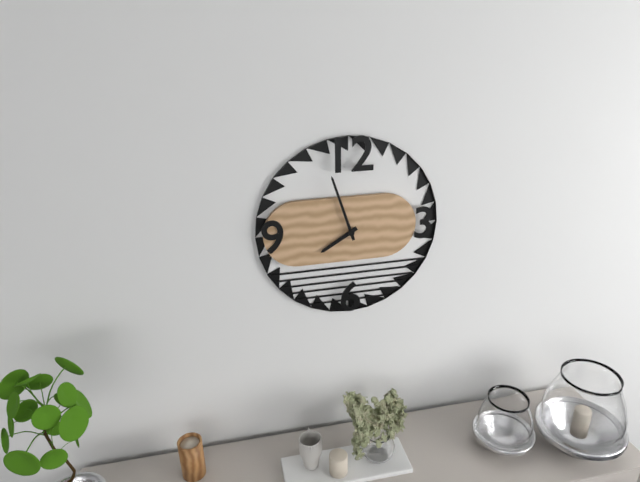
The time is {"hour": 7, "minute": 57}
